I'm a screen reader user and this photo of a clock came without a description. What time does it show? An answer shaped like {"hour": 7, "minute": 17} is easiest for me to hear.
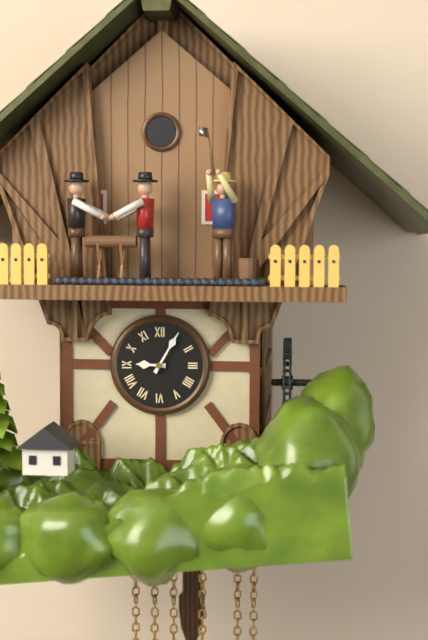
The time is {"hour": 9, "minute": 5}
